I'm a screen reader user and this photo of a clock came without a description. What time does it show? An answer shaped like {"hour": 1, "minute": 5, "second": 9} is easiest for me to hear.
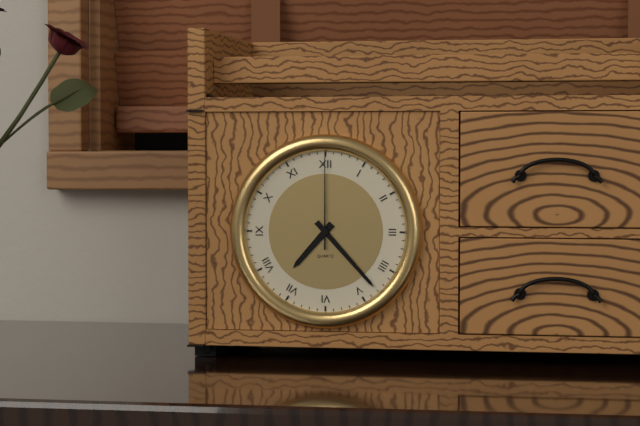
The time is {"hour": 7, "minute": 23, "second": 0}
